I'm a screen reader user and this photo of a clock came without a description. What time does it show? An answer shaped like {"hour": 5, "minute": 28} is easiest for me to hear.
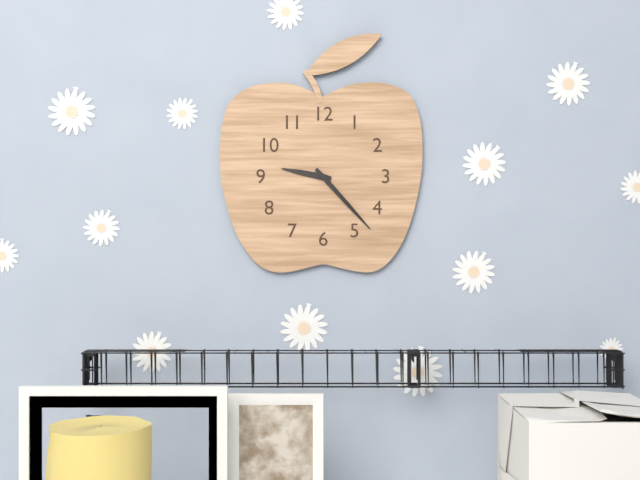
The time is {"hour": 9, "minute": 23}
